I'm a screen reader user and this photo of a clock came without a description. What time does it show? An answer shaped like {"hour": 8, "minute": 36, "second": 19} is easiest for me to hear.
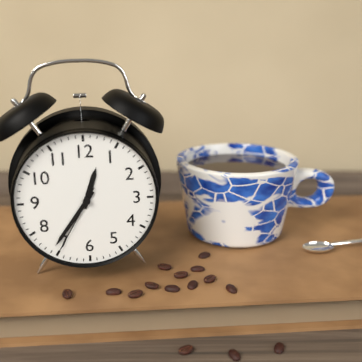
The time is {"hour": 12, "minute": 36, "second": 35}
